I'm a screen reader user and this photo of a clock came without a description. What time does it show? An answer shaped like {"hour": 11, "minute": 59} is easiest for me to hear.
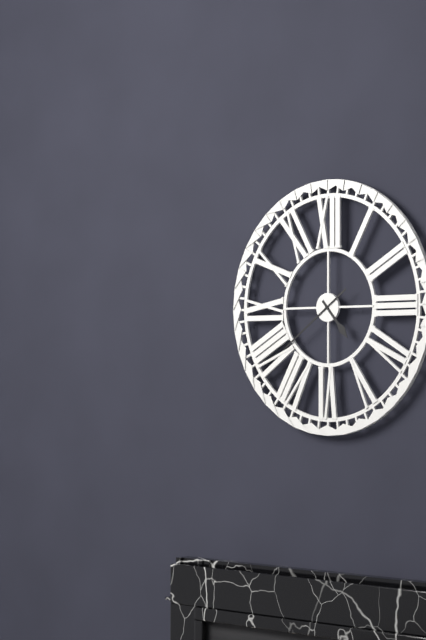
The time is {"hour": 4, "minute": 39}
